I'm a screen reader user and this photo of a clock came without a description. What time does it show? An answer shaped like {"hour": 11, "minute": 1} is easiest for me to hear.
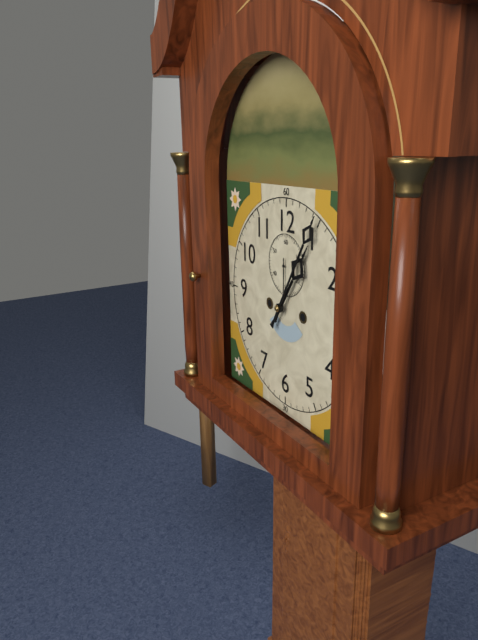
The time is {"hour": 1, "minute": 5}
